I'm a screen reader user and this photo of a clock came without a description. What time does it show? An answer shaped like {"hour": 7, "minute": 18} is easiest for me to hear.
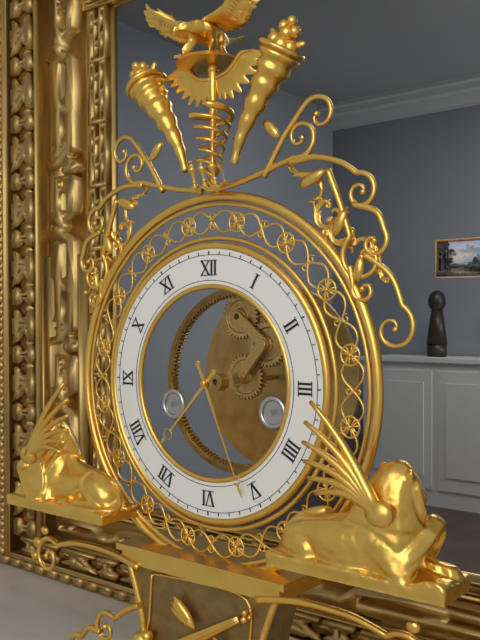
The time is {"hour": 7, "minute": 26}
